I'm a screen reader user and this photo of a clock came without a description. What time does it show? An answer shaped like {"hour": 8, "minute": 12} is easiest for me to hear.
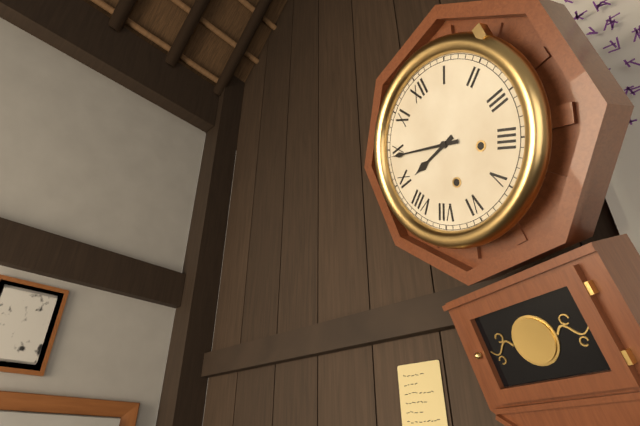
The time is {"hour": 8, "minute": 49}
